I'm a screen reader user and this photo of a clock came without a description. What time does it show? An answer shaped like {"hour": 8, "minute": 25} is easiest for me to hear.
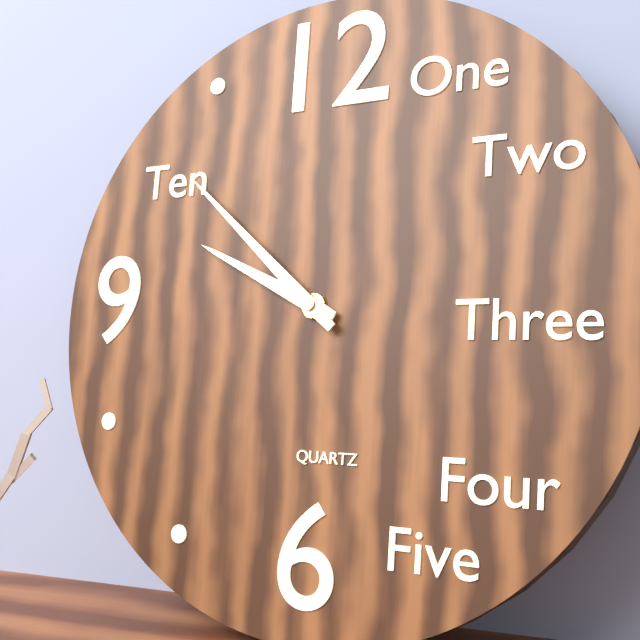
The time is {"hour": 9, "minute": 52}
